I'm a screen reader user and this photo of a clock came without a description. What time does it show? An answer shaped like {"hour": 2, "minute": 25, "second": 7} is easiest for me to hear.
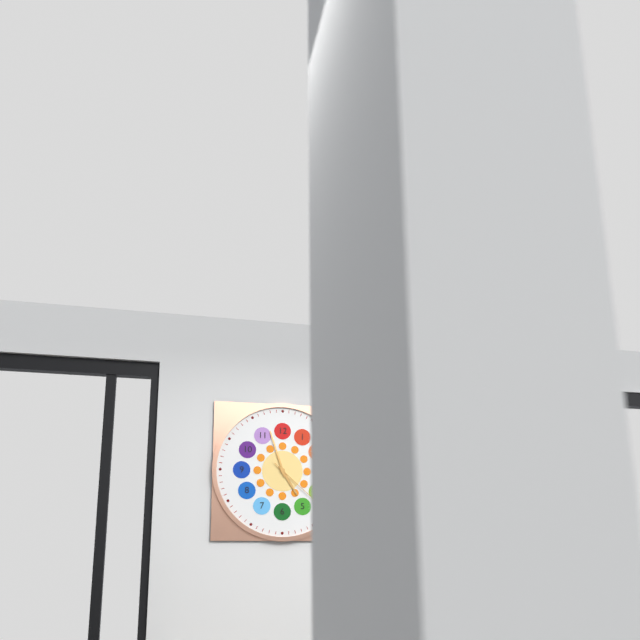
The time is {"hour": 4, "minute": 57, "second": 22}
